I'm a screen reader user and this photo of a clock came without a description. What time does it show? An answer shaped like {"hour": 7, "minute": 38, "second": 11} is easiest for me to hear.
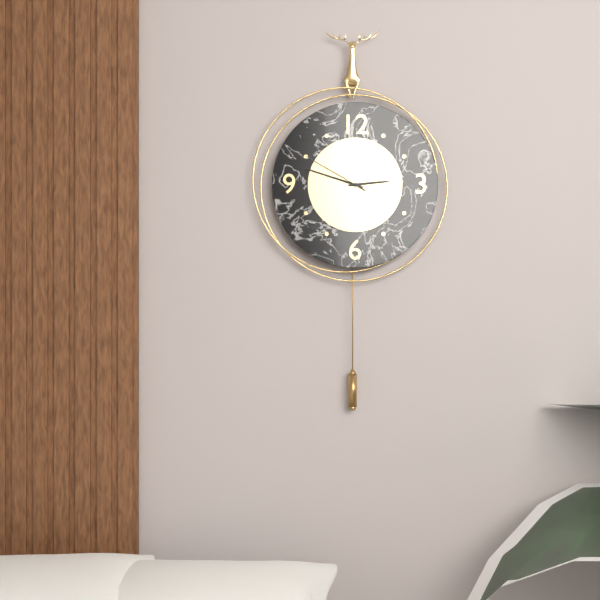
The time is {"hour": 2, "minute": 48, "second": 50}
